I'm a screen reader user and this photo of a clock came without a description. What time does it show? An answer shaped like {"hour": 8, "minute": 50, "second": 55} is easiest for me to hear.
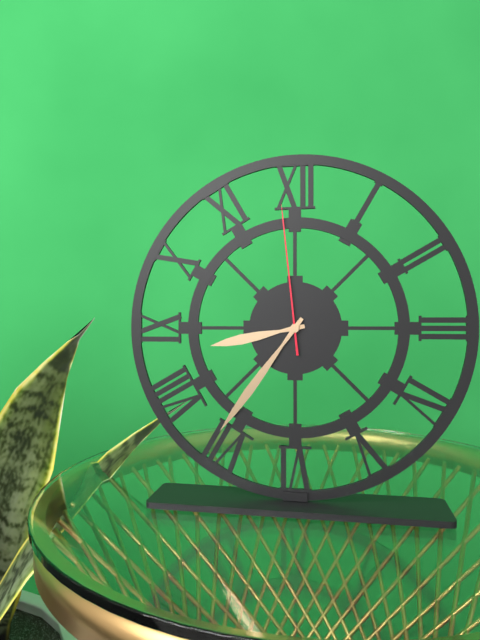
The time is {"hour": 8, "minute": 36, "second": 59}
